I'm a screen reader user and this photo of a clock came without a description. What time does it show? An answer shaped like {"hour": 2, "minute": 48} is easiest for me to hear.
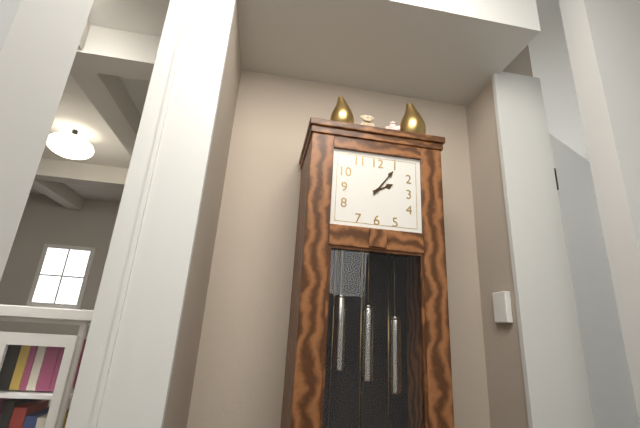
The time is {"hour": 2, "minute": 6}
